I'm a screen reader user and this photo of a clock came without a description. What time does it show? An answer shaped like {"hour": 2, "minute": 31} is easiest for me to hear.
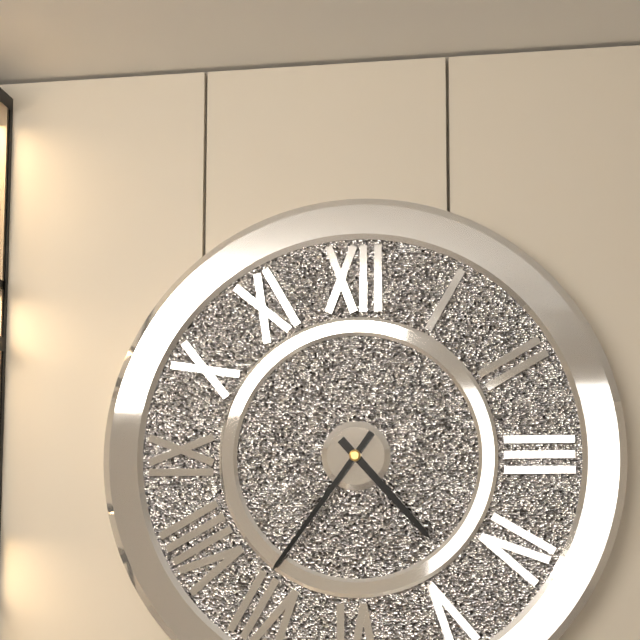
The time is {"hour": 4, "minute": 36}
